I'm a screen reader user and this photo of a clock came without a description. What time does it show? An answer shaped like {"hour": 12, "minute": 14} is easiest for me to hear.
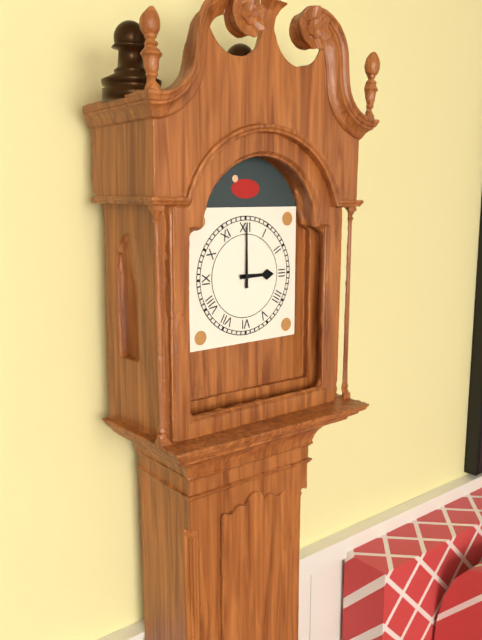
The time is {"hour": 3, "minute": 0}
